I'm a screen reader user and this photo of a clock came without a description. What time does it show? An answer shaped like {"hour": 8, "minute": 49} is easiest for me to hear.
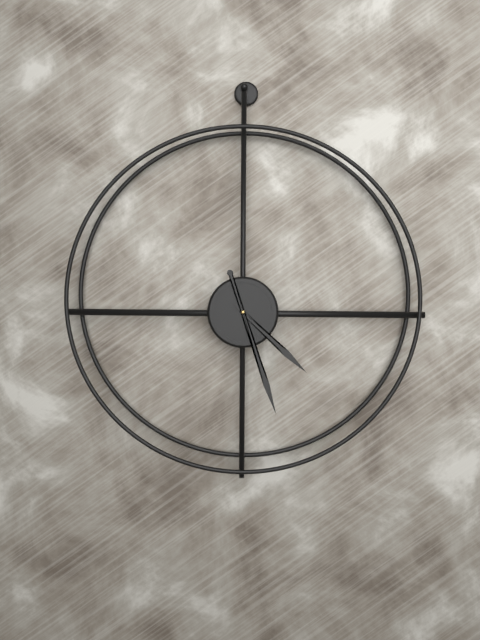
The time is {"hour": 4, "minute": 27}
